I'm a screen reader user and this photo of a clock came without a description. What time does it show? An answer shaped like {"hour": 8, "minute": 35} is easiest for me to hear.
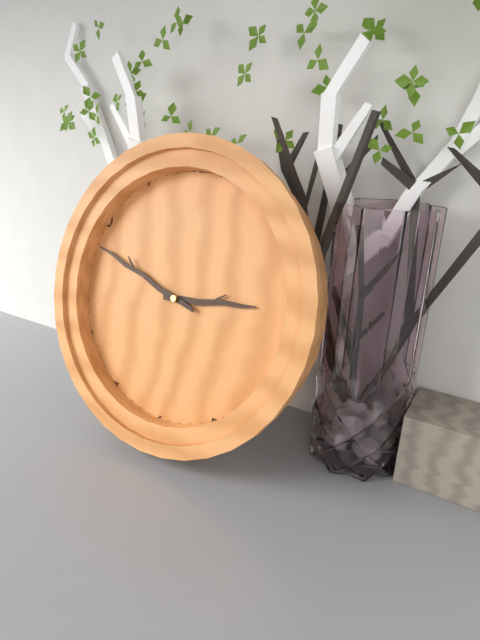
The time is {"hour": 2, "minute": 48}
